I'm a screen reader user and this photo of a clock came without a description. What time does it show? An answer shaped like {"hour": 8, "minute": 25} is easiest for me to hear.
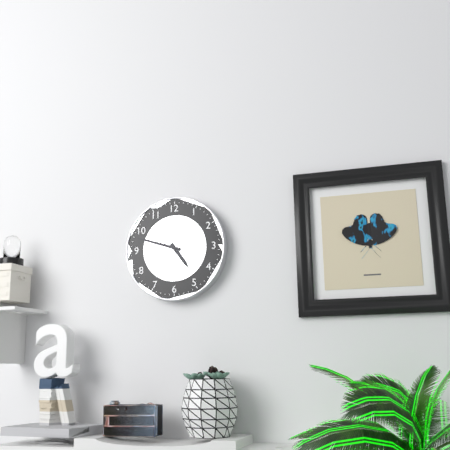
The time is {"hour": 4, "minute": 48}
